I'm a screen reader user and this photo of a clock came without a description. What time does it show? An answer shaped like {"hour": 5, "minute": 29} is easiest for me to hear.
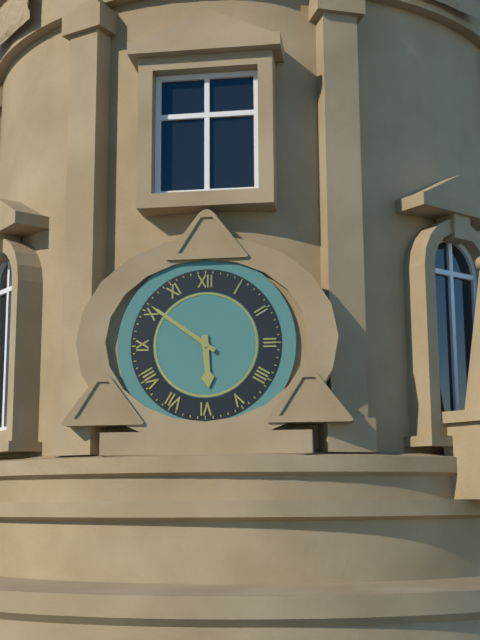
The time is {"hour": 5, "minute": 51}
